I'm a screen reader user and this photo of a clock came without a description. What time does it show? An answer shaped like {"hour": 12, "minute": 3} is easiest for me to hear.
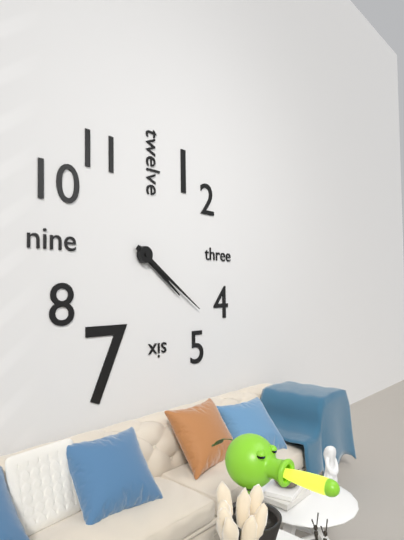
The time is {"hour": 4, "minute": 21}
